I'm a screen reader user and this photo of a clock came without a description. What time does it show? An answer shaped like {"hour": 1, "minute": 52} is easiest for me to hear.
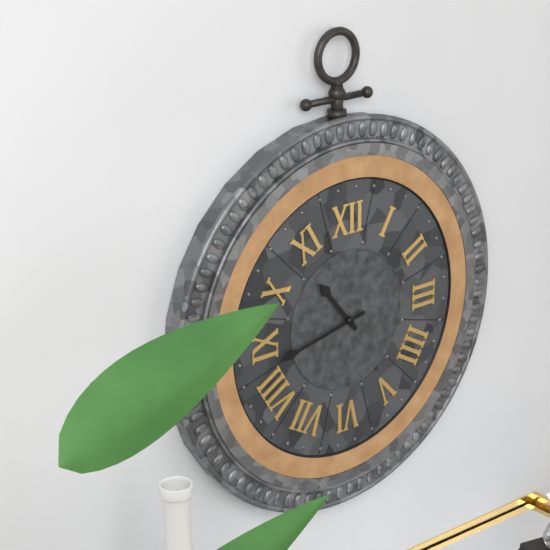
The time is {"hour": 10, "minute": 43}
